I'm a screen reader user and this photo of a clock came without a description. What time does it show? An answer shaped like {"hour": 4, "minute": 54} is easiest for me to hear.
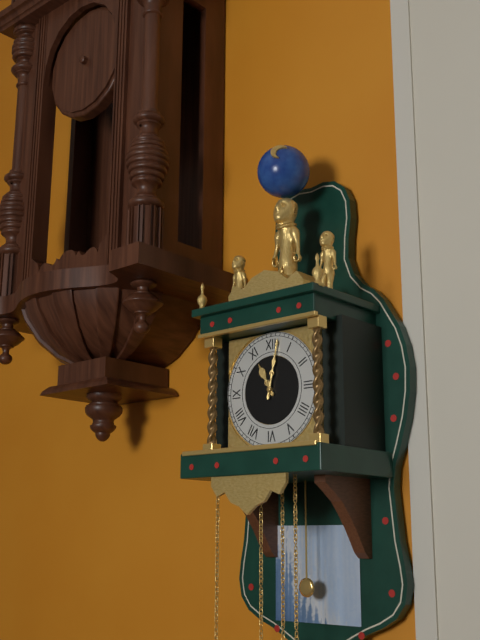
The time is {"hour": 11, "minute": 2}
